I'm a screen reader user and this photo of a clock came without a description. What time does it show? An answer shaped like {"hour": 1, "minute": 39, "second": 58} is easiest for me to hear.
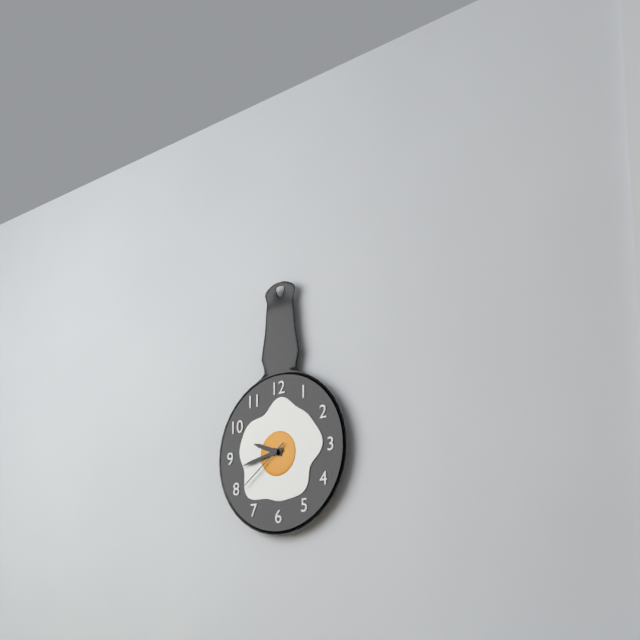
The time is {"hour": 9, "minute": 43, "second": 39}
